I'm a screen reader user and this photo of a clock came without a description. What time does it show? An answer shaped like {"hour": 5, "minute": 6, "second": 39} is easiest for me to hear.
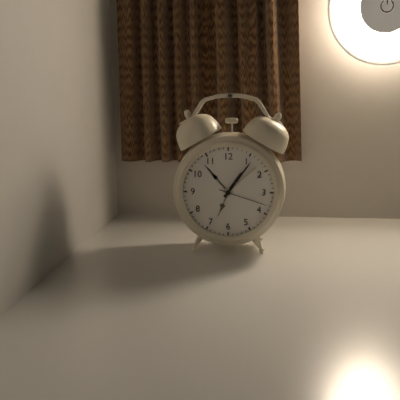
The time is {"hour": 1, "minute": 6, "second": 18}
